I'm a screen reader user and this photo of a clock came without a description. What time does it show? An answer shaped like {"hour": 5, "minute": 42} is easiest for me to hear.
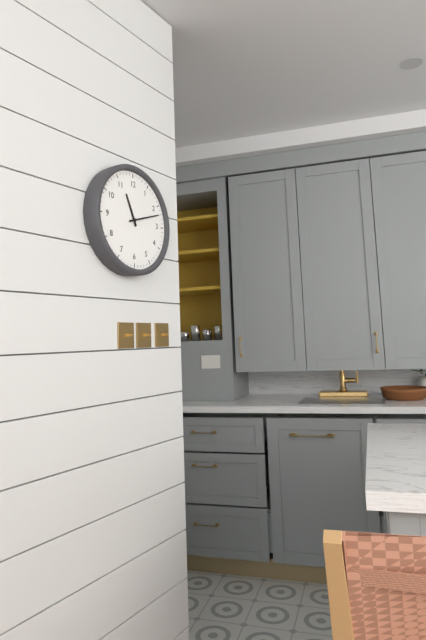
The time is {"hour": 11, "minute": 12}
